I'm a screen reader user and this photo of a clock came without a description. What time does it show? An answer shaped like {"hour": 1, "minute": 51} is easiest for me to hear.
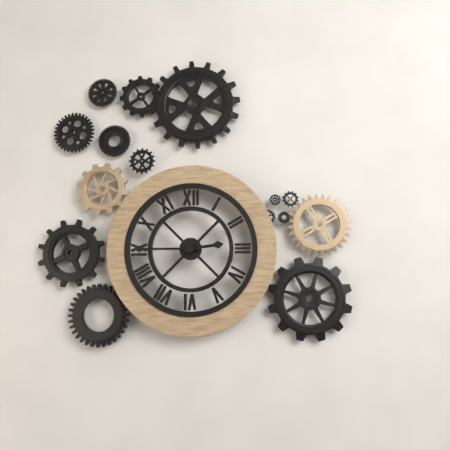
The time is {"hour": 2, "minute": 45}
